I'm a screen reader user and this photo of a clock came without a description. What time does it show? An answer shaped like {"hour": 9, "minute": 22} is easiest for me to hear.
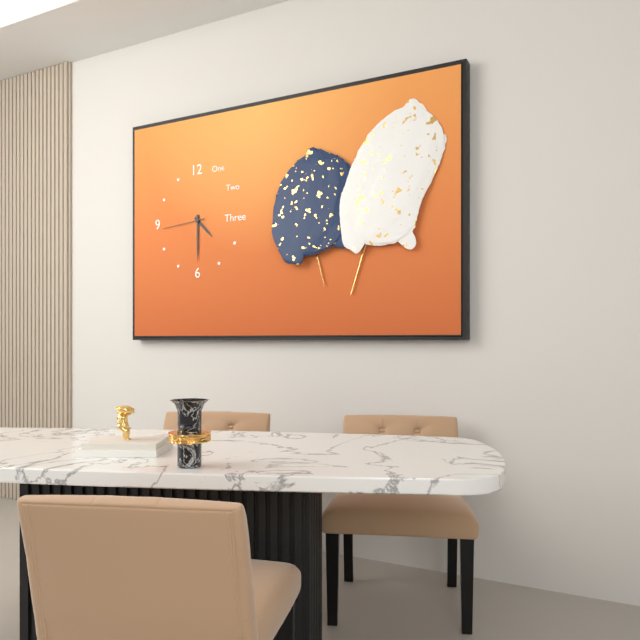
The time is {"hour": 4, "minute": 30}
